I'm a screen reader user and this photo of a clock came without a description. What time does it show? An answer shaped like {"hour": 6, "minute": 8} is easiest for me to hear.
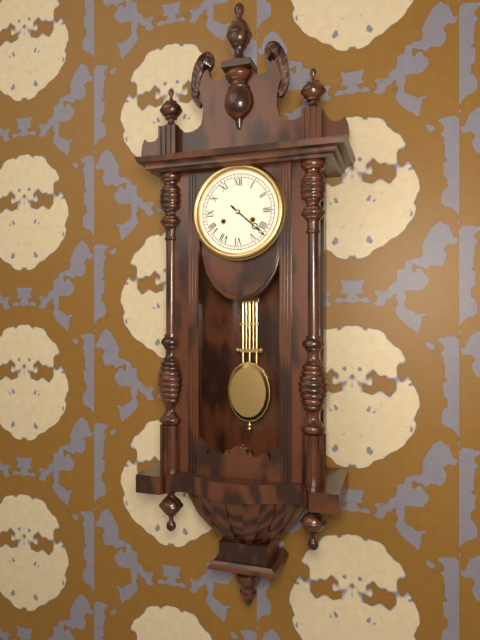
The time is {"hour": 4, "minute": 22}
